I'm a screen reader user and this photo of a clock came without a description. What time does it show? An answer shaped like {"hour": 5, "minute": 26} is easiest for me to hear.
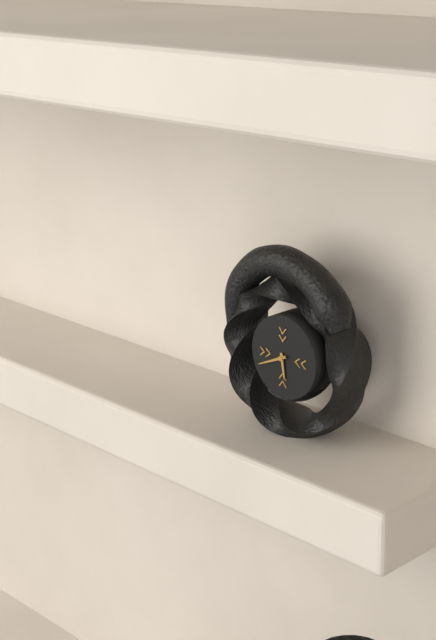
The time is {"hour": 5, "minute": 41}
